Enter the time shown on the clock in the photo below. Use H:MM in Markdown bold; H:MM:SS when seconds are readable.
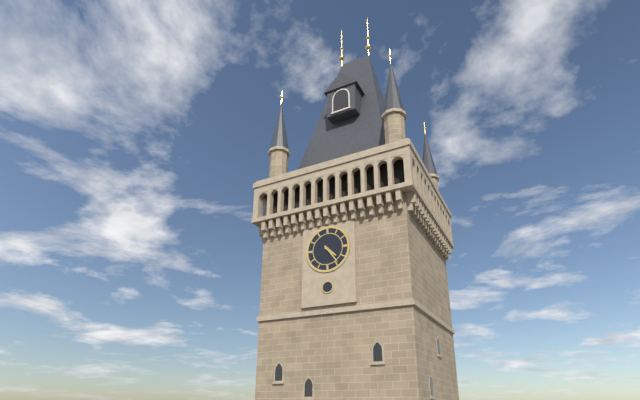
**4:24**
